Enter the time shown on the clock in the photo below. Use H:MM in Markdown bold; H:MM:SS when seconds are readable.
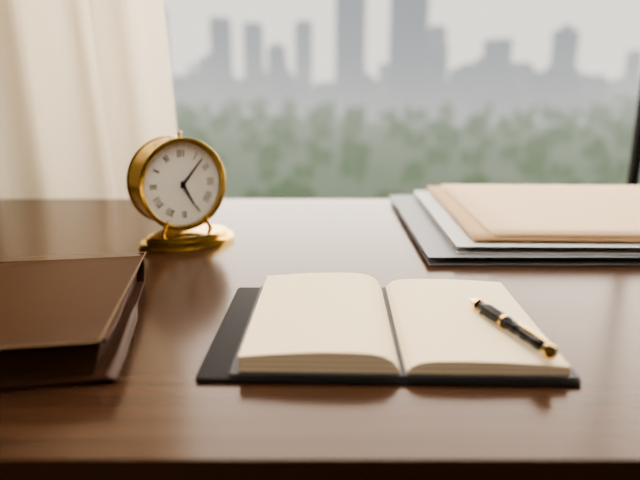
**5:07**
